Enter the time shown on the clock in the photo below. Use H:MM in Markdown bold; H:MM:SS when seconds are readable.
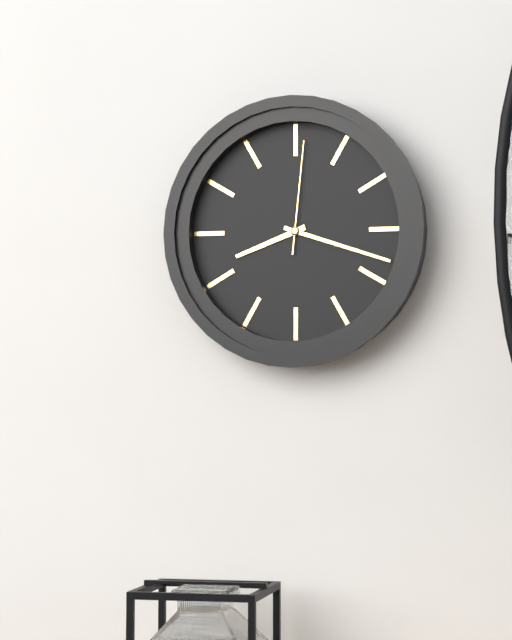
**8:18:01**
